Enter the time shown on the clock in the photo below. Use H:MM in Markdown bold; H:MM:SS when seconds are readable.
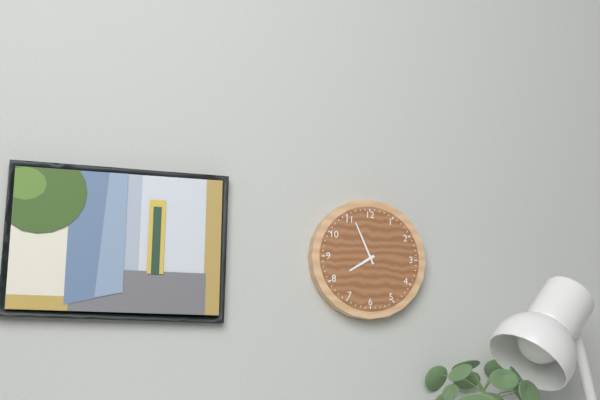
**7:56**
